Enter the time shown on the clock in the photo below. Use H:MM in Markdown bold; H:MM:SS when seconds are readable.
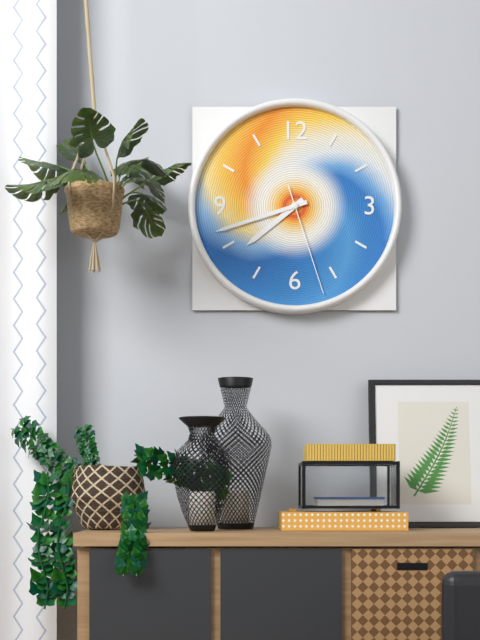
**7:42:27**
